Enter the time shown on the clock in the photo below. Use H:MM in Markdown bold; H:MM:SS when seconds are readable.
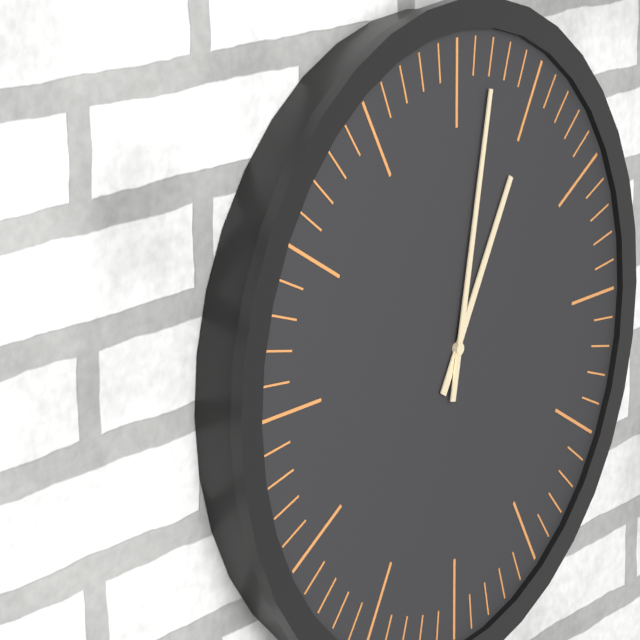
**1:02**
